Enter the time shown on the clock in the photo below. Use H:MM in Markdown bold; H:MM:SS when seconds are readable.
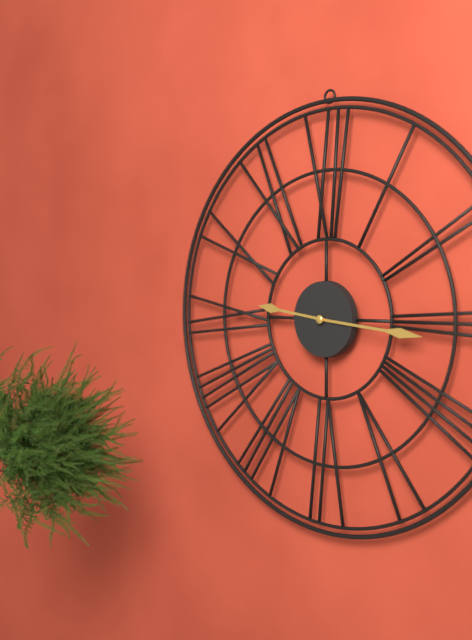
**9:16**
